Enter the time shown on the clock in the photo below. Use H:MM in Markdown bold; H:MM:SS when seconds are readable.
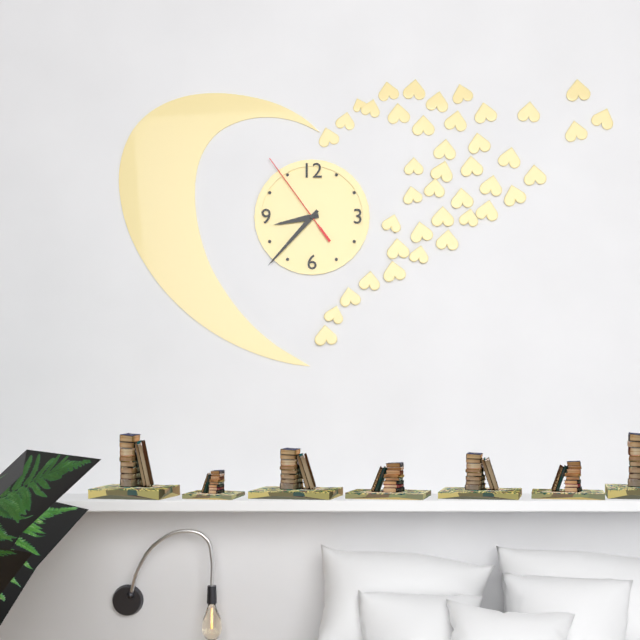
**8:37:54**
